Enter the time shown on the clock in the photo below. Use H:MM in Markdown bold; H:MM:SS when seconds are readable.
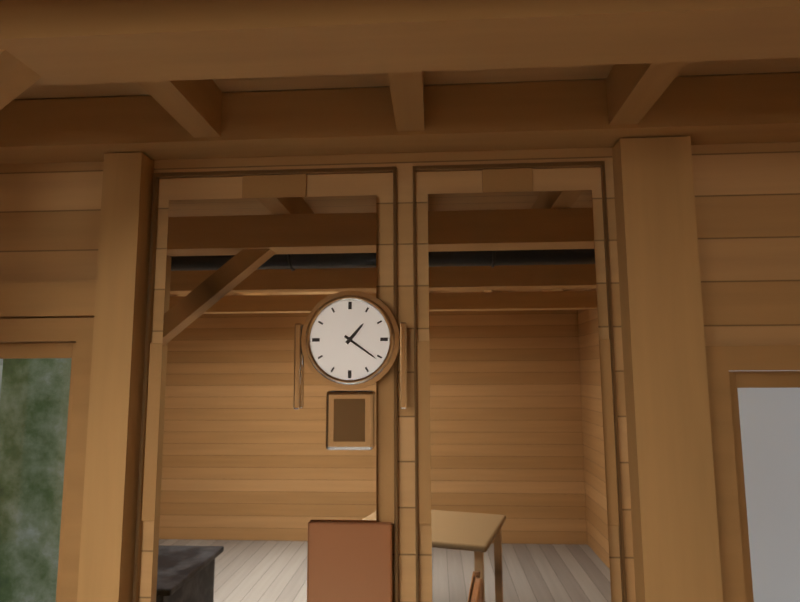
**1:21**
